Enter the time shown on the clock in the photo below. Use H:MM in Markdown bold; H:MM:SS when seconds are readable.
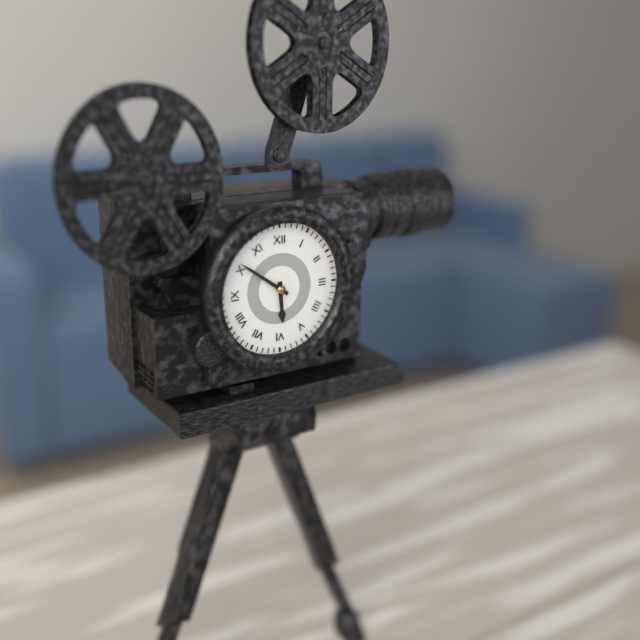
**5:51**
